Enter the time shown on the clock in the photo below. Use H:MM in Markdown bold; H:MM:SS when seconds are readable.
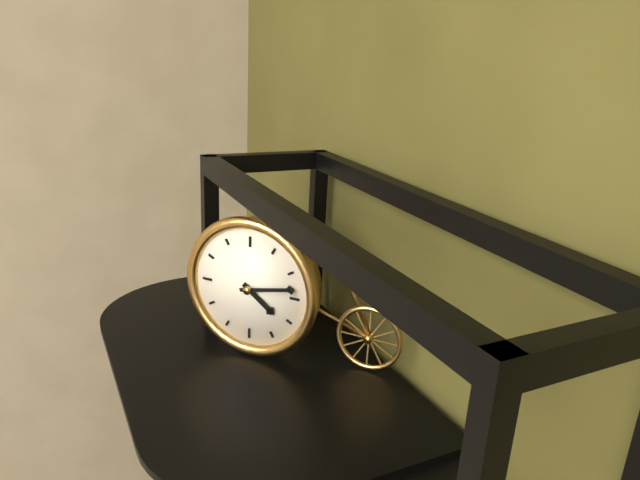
**4:13**
